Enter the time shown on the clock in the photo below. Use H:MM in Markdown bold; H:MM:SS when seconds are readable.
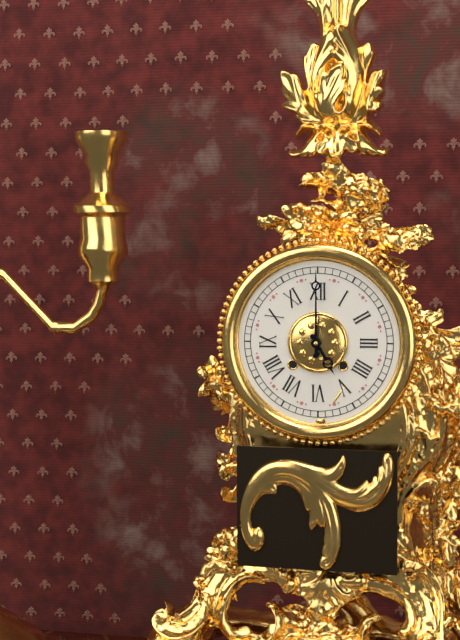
**5:00**
